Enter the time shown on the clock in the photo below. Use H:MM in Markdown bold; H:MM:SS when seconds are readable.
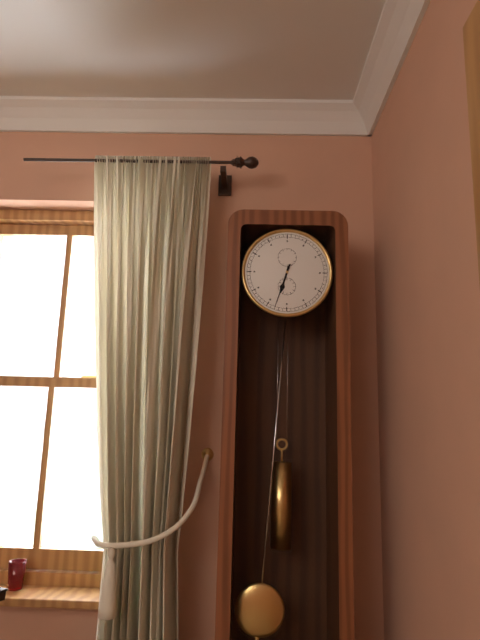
**6:33**
